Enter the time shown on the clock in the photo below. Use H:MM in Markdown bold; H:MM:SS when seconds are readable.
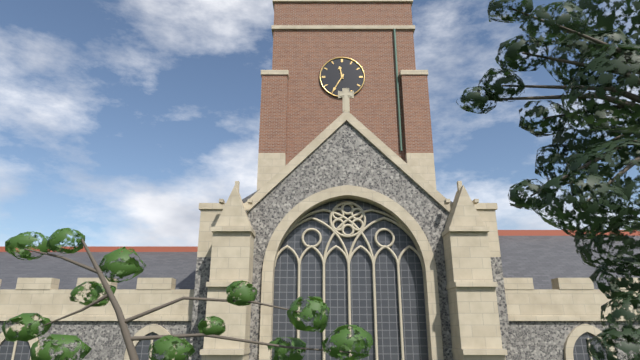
**11:35**
